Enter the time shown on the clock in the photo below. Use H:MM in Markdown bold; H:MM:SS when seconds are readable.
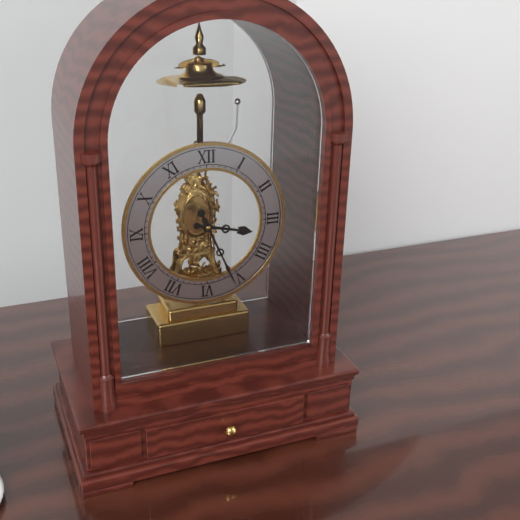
**3:26**
